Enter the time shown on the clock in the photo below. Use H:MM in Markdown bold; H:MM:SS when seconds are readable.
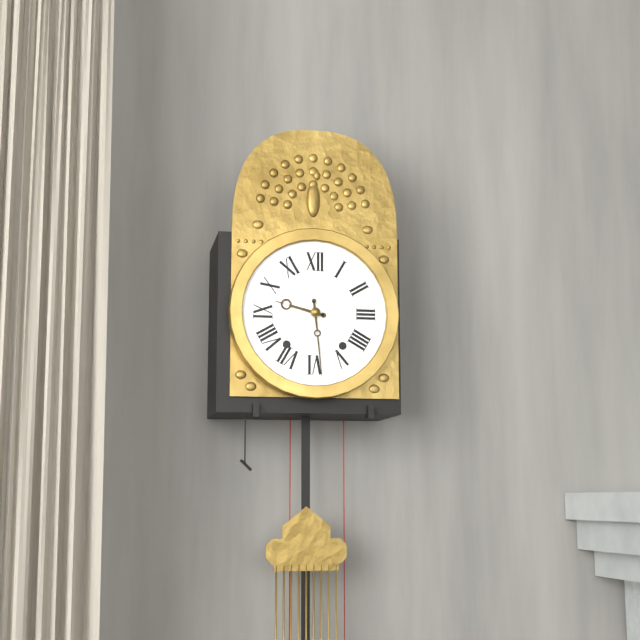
**9:29**
